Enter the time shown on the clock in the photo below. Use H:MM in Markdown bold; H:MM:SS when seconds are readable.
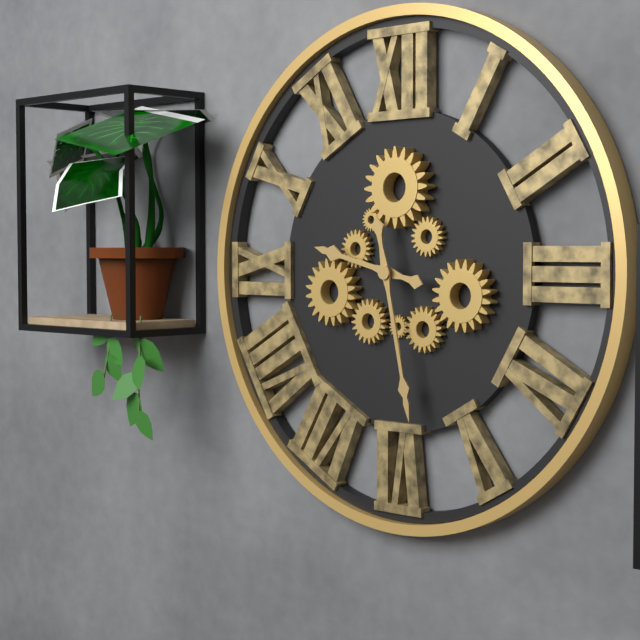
**9:28**
